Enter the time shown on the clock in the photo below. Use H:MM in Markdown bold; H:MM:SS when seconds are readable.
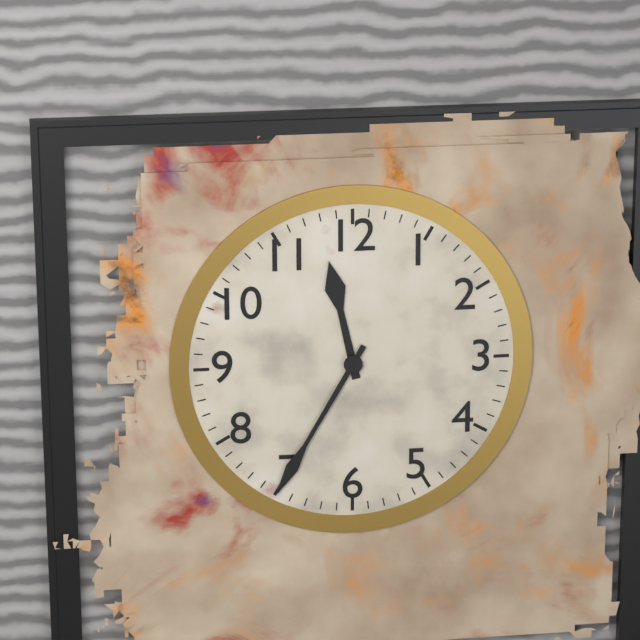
**11:35**
